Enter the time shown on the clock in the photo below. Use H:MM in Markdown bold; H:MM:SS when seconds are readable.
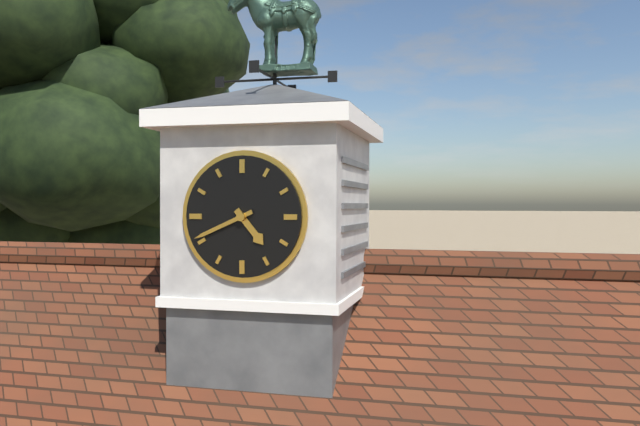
**4:41**
